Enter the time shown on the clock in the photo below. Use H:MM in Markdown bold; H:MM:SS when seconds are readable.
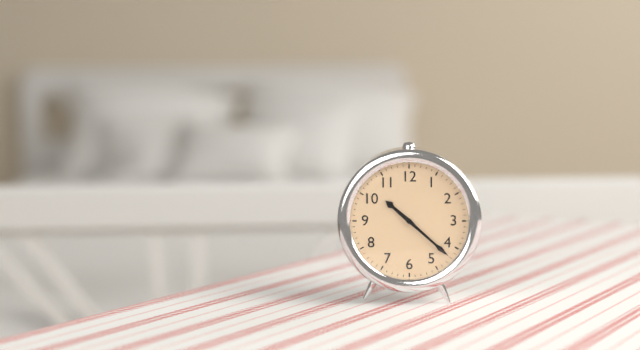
**10:22**
